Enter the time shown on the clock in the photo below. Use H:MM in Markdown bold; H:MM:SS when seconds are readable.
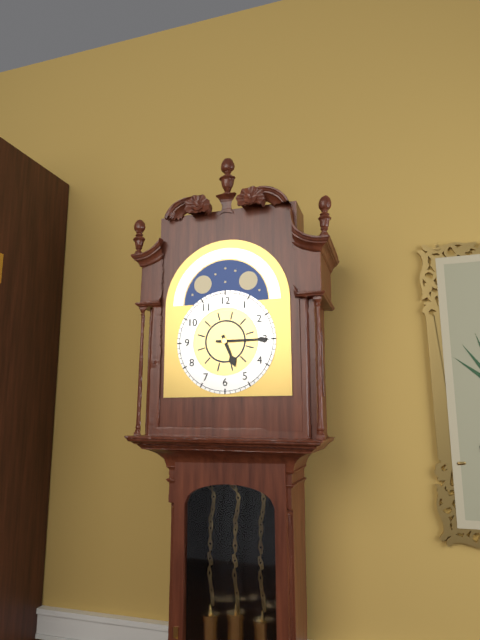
**5:15**
